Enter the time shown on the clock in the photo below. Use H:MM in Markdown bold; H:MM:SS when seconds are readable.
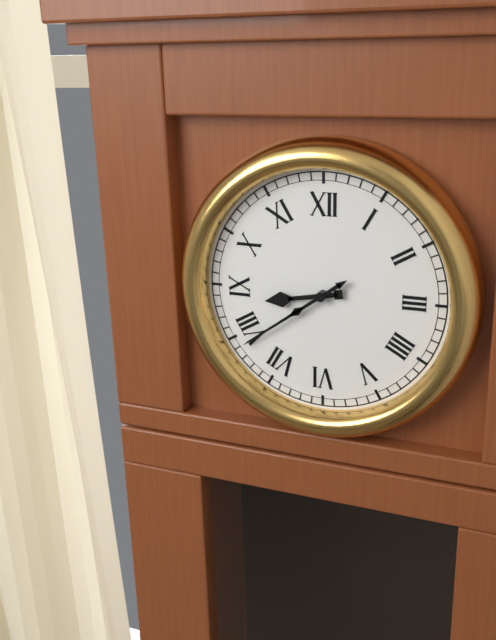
**8:39**
